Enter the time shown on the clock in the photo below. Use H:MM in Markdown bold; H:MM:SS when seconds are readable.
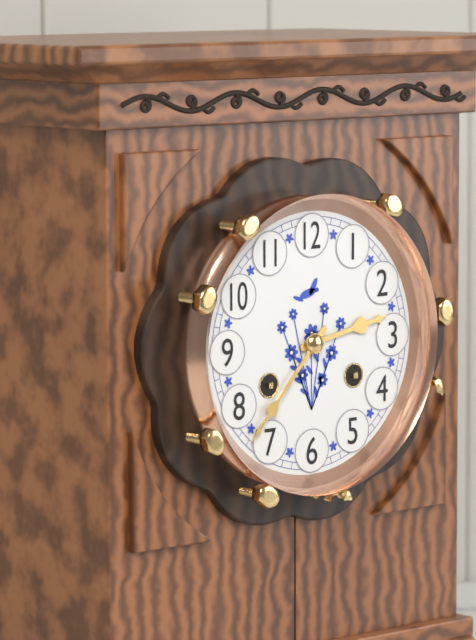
**2:37**
